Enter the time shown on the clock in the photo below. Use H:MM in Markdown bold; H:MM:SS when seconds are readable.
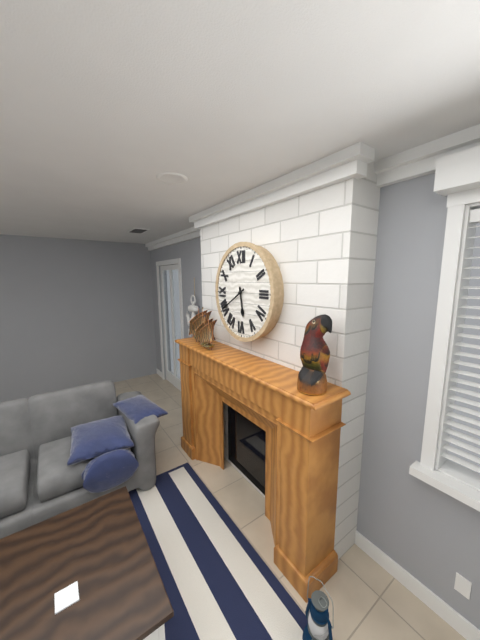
**5:40**
